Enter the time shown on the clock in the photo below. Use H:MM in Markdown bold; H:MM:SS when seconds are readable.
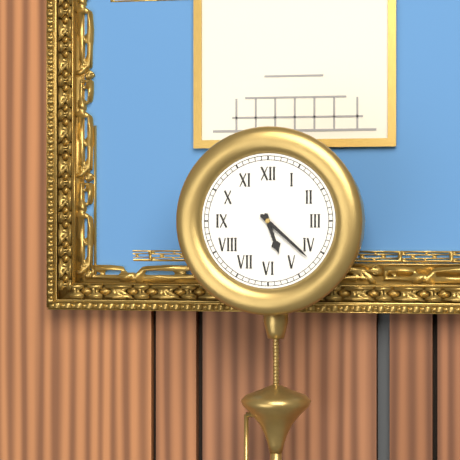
**5:22**
